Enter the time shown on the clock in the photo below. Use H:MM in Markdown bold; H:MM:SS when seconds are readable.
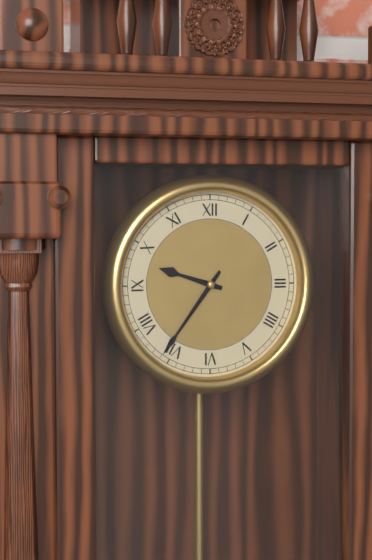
**9:36**
